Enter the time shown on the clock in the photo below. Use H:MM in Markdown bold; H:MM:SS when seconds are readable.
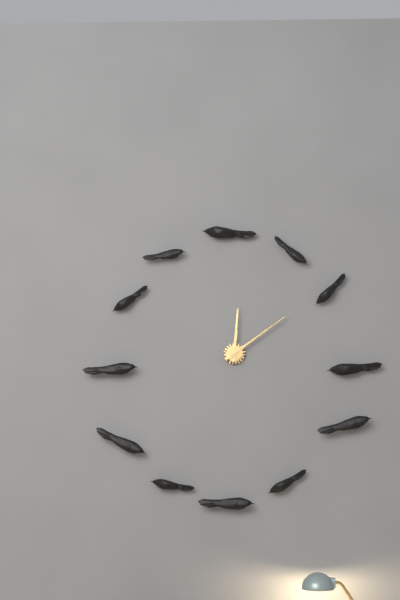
**12:09**
